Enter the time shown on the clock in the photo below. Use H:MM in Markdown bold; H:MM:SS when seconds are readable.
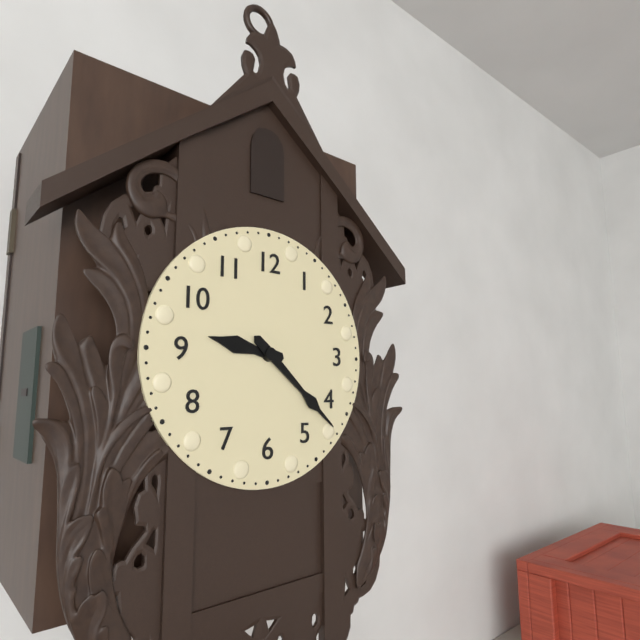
**9:22**
